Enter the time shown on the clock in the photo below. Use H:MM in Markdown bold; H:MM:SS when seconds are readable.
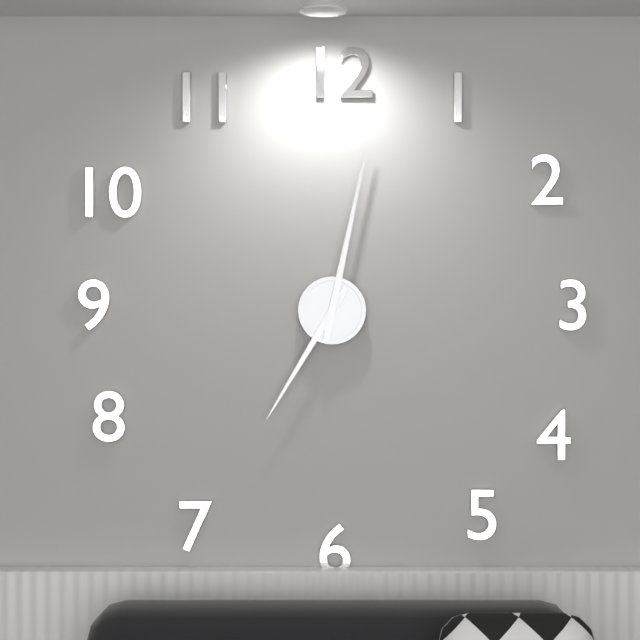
**7:02**
